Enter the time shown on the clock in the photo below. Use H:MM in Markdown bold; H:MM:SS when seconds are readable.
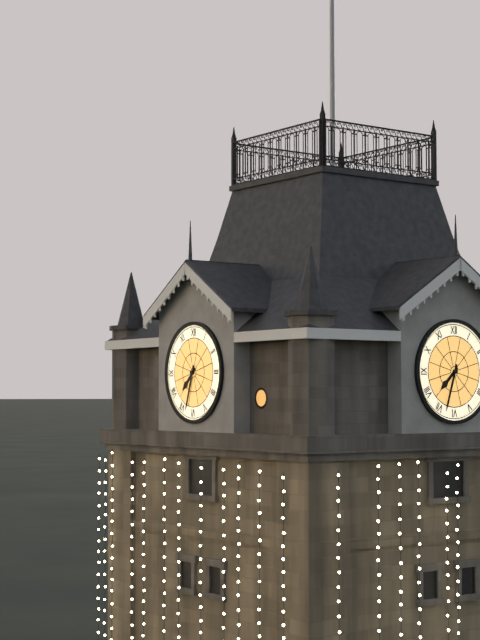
**7:33**
